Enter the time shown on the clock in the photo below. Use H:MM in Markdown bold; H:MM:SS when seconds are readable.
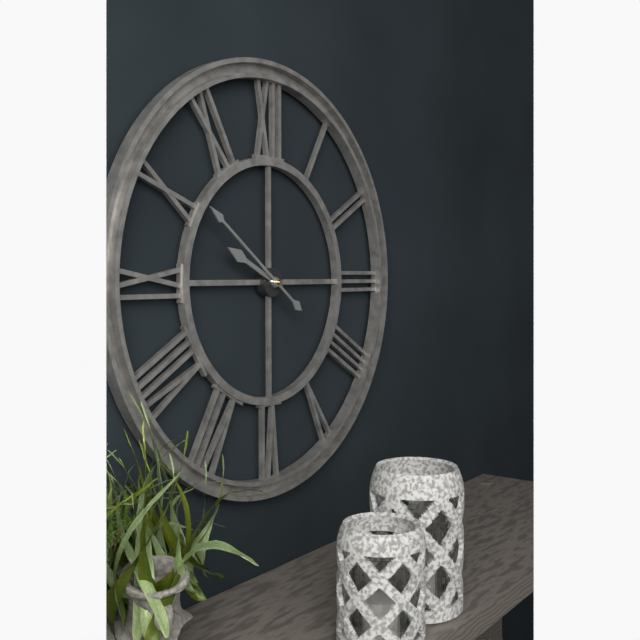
**9:51**
